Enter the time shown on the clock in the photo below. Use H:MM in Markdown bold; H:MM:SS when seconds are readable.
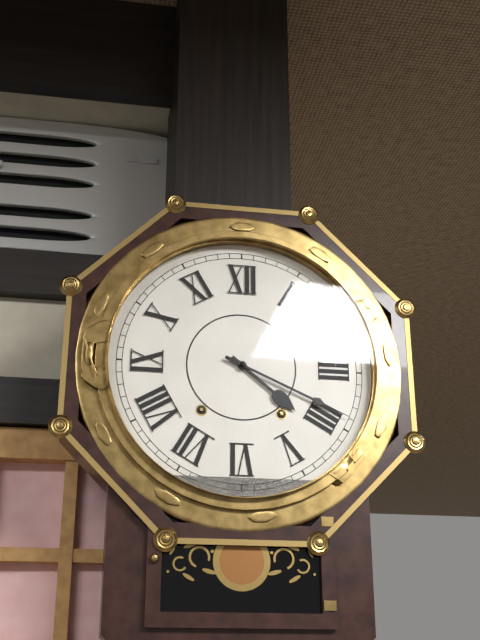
**4:19**
